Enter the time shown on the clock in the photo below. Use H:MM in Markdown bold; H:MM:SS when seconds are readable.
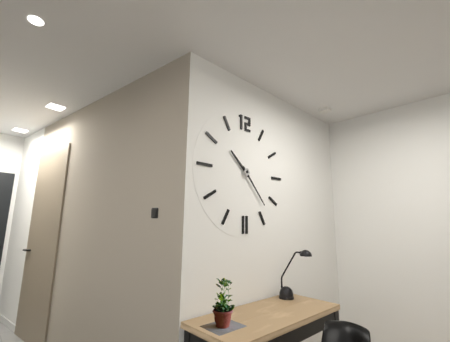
**10:23**
